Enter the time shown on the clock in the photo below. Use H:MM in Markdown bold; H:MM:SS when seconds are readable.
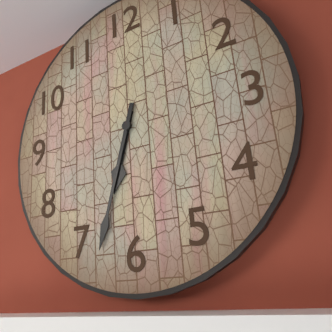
**6:33**
